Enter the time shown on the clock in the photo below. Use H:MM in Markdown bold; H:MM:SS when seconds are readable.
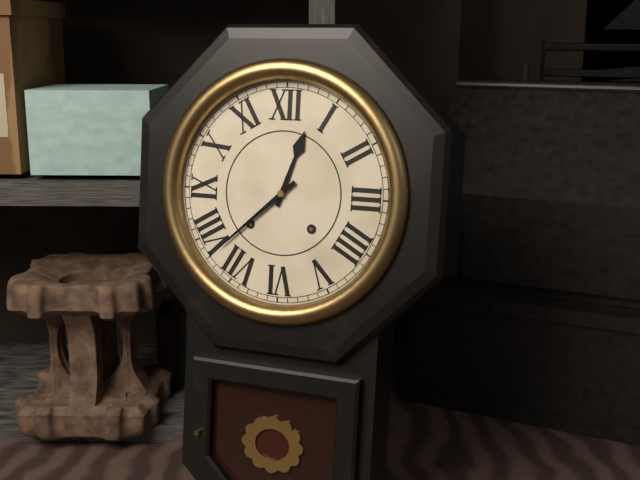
**12:38**
